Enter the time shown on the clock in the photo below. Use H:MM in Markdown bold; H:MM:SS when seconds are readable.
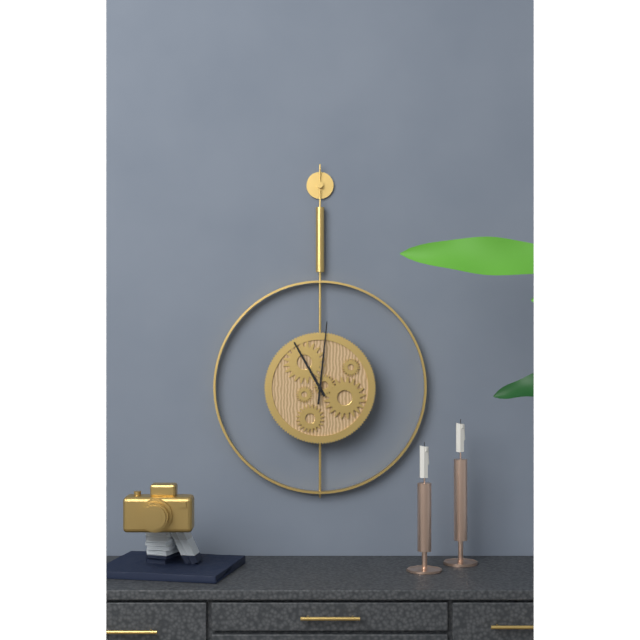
**11:01**
